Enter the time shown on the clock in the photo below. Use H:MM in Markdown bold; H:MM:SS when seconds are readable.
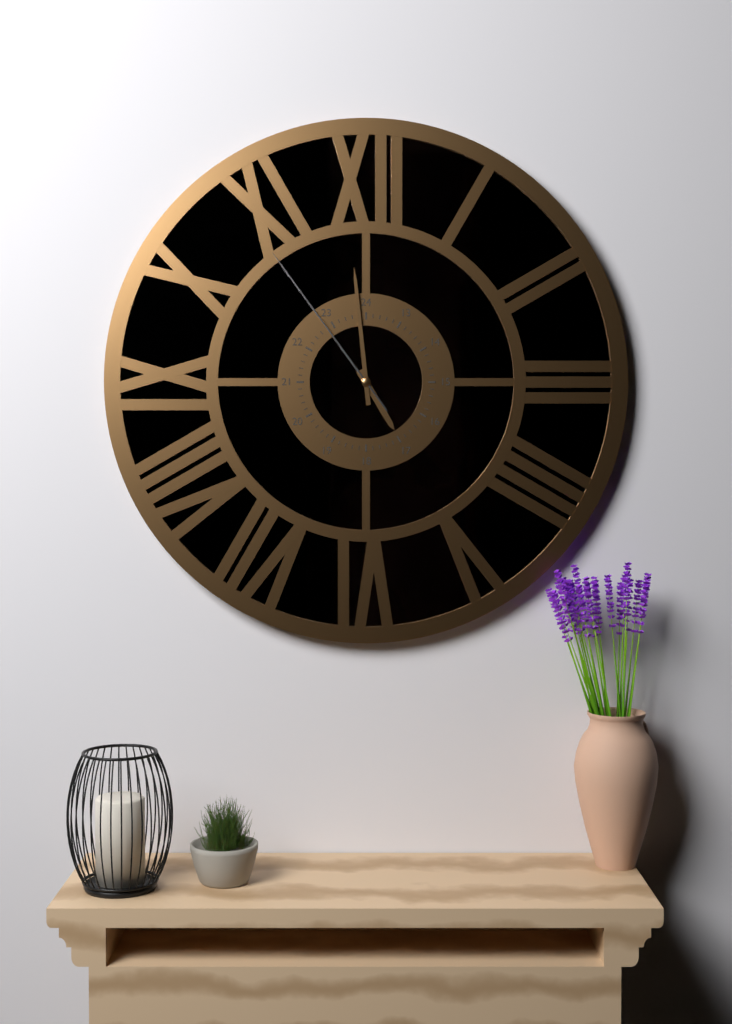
**4:59:54**
